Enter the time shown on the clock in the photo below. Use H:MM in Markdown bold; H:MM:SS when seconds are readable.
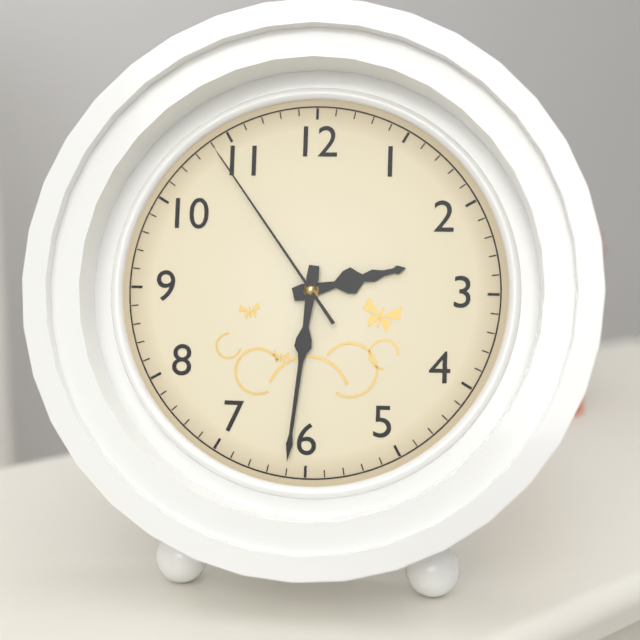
**2:31:54**
